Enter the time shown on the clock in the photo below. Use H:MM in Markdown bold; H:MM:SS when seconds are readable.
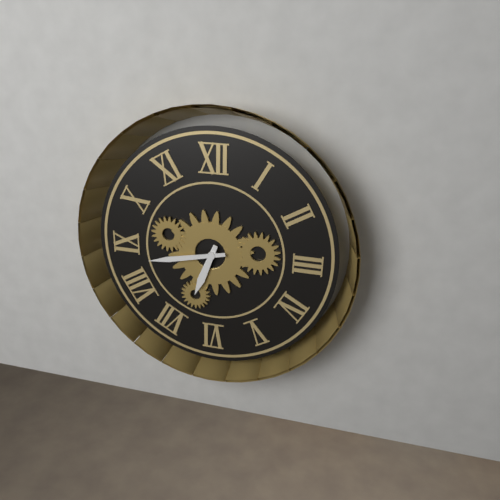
**6:43**
